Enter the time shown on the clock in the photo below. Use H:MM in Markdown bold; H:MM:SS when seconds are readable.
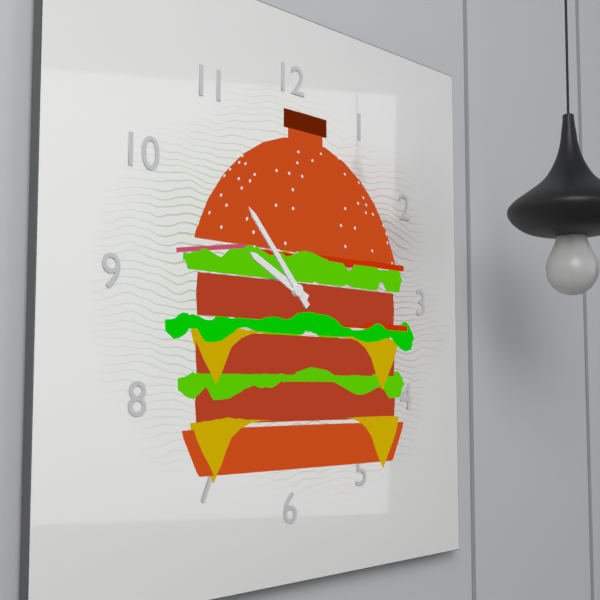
**9:53**
